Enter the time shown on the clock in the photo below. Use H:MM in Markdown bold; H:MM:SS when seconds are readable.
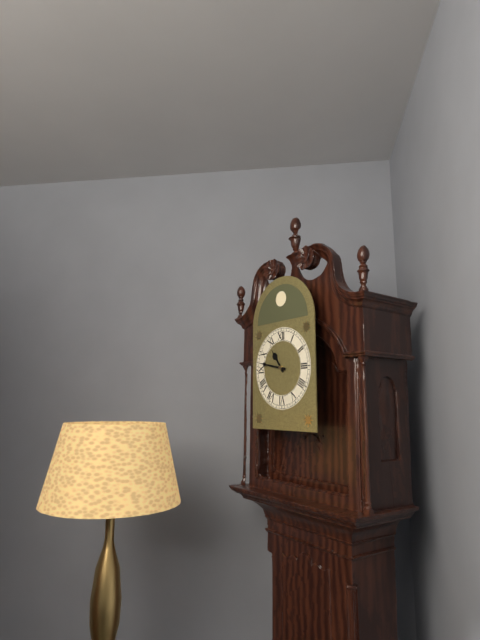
**10:47**
